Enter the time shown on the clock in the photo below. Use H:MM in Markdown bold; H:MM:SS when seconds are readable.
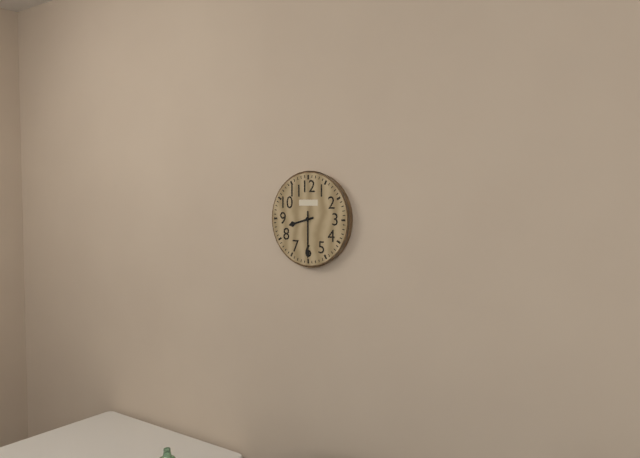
**8:30**
